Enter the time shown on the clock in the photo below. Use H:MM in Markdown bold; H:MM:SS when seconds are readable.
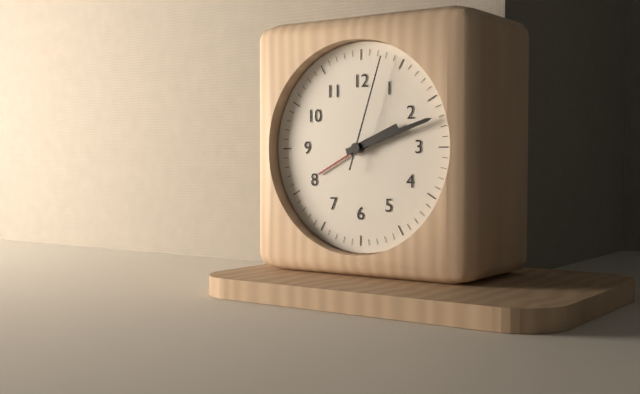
**2:12:03**
